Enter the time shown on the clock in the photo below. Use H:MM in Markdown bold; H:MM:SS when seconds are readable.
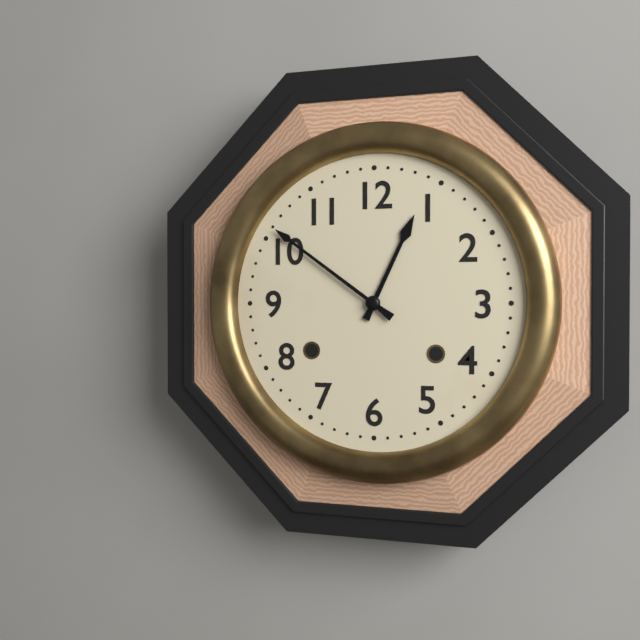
**12:51**
